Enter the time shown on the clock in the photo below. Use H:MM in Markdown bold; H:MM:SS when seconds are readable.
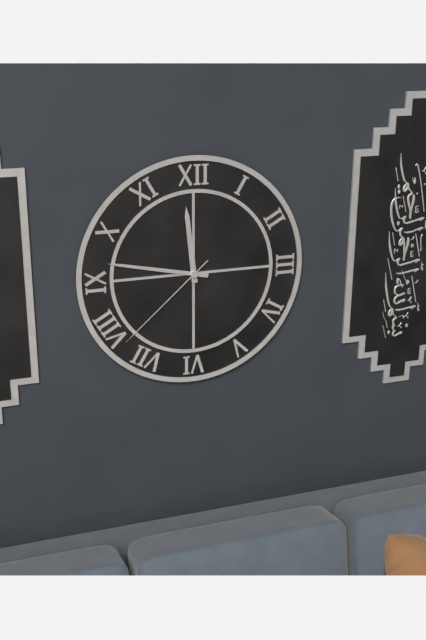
**11:47:38**
